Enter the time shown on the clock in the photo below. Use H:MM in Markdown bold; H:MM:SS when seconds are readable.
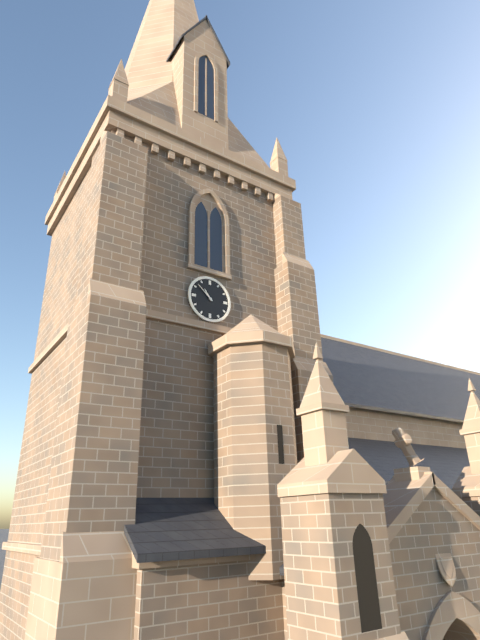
**10:52**
